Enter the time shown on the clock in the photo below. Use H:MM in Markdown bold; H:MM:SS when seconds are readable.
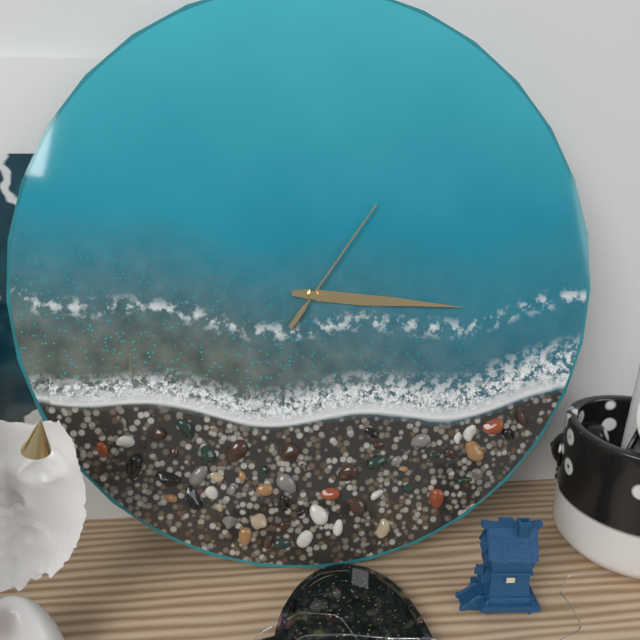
**3:16:06**
